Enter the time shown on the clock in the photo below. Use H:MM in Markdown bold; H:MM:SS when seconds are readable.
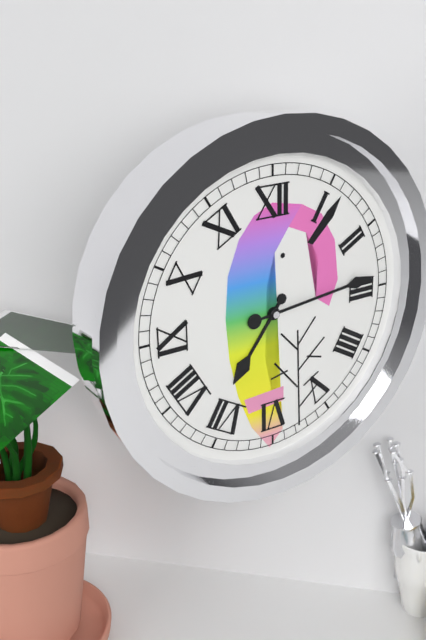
**7:14**
